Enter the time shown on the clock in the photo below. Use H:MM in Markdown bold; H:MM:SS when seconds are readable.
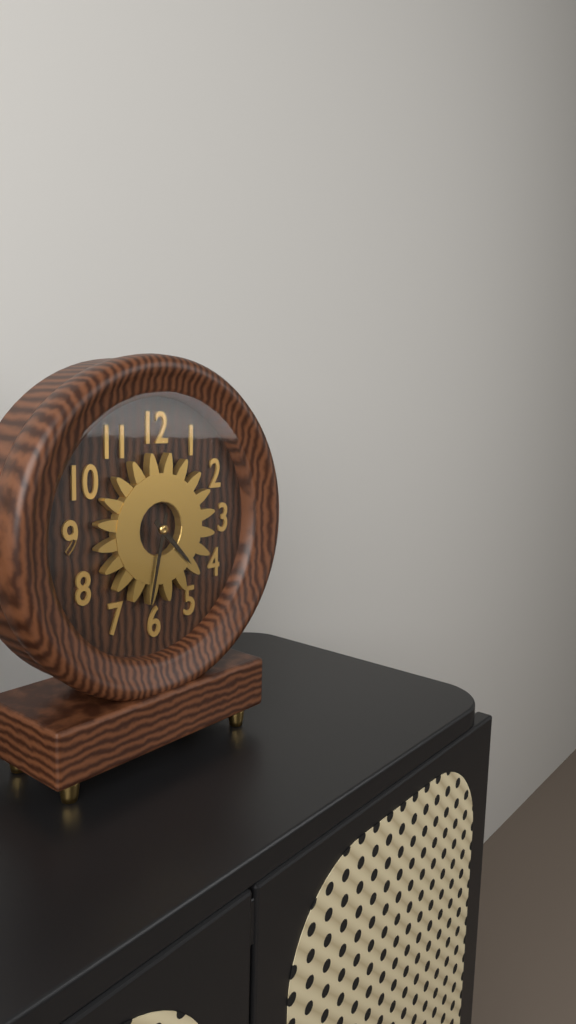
**4:32**
